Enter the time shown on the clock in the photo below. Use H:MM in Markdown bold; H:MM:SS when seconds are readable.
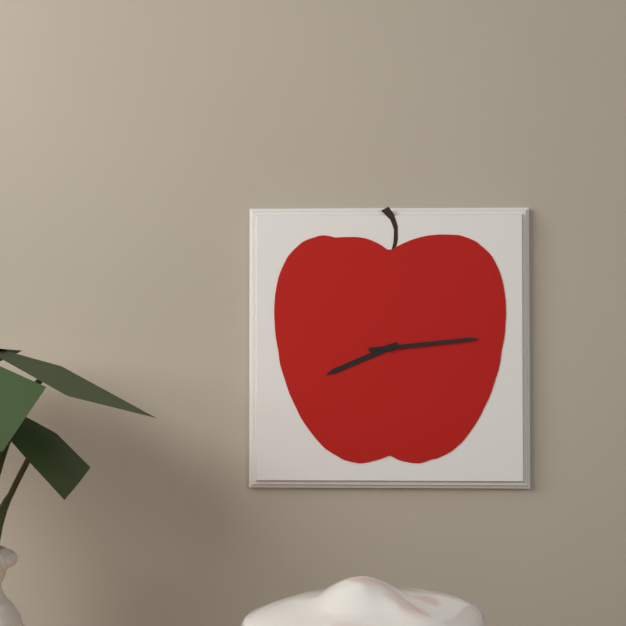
**8:14**
